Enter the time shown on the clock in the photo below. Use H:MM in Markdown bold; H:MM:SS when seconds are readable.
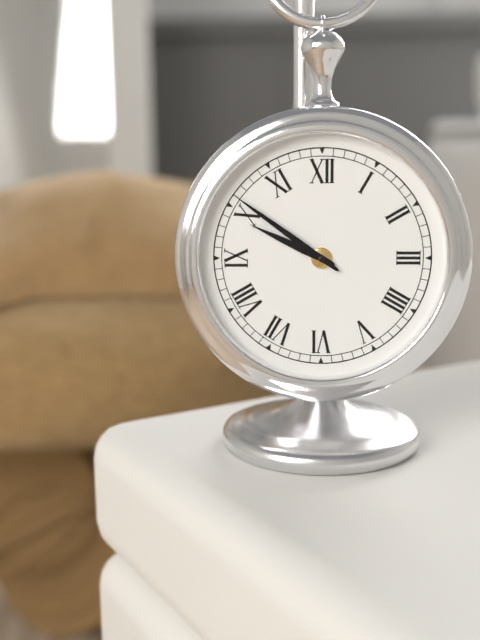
**9:51**
